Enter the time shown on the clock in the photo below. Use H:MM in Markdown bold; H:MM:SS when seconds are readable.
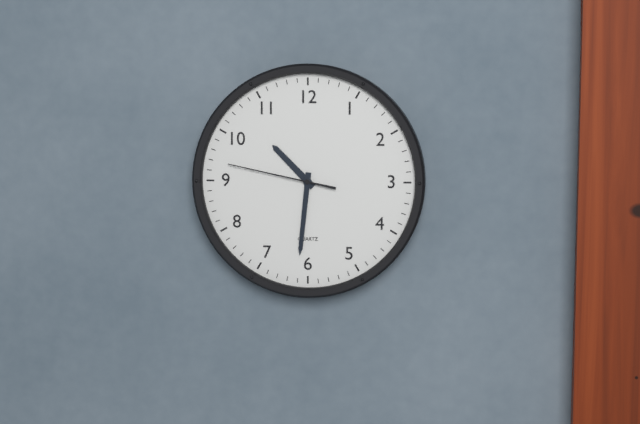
**10:31:47**
